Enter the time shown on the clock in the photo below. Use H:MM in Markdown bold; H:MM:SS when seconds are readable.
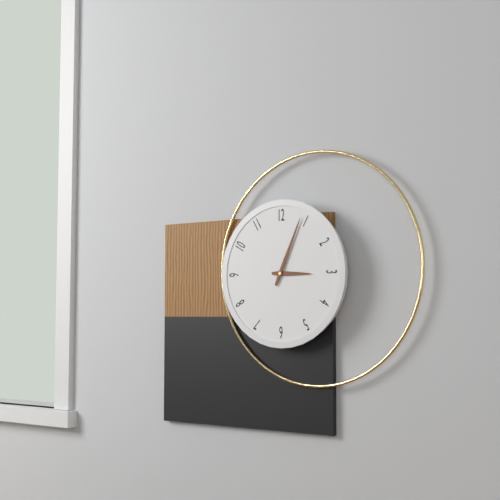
**3:04**
